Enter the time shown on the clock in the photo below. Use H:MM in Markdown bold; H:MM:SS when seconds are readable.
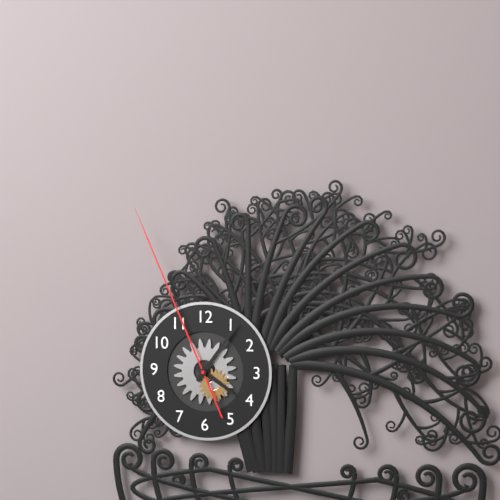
**4:06:56**
